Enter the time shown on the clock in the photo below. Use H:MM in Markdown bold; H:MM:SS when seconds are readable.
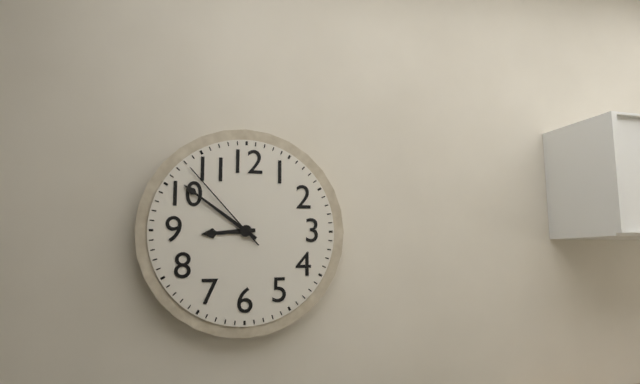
**8:51:53**
